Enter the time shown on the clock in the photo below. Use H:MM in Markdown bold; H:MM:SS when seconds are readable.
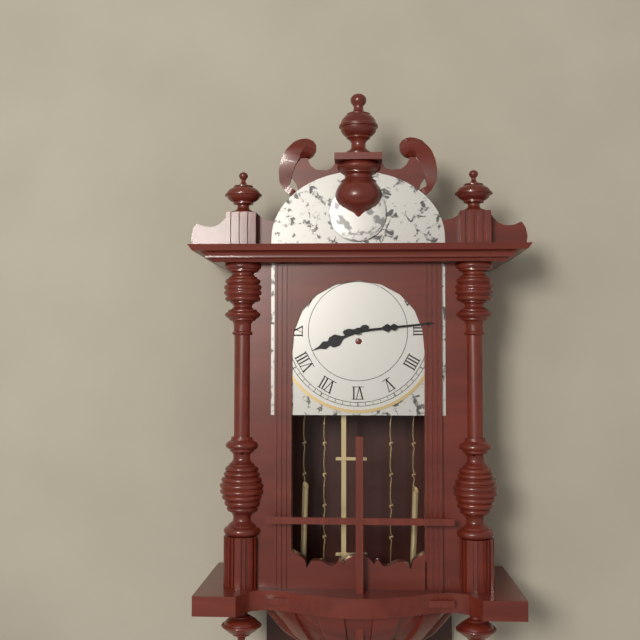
**8:14**
